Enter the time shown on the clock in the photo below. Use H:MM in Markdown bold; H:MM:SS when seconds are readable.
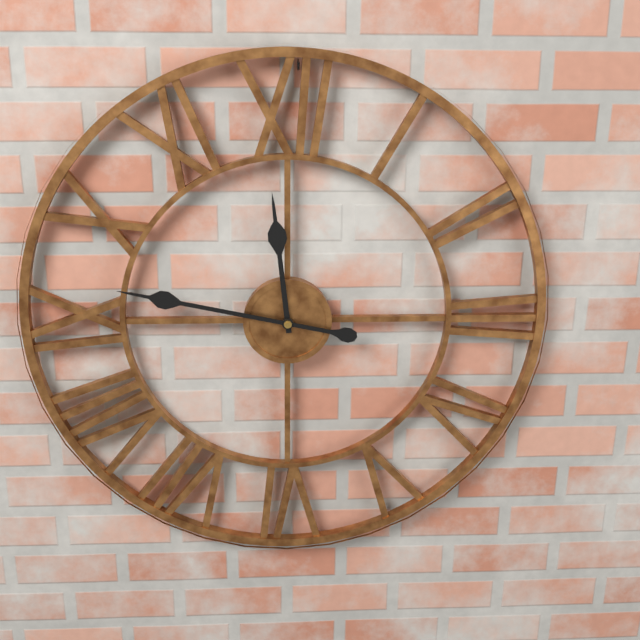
**11:47**
